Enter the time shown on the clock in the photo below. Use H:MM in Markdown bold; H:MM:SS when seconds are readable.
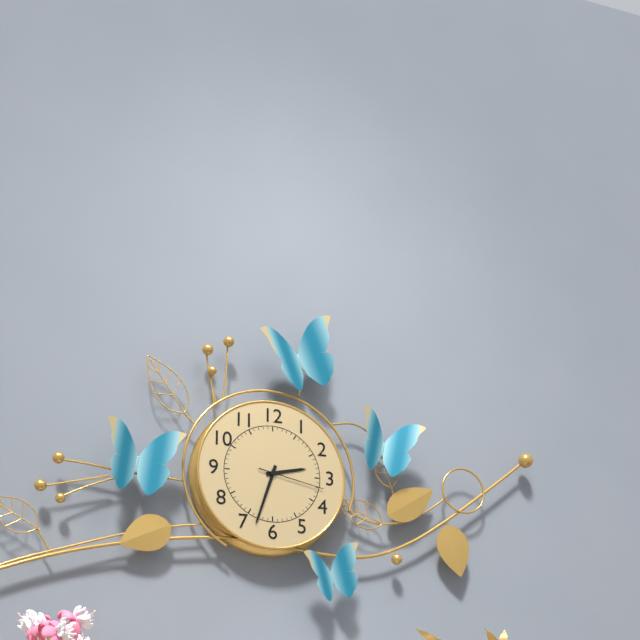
**2:33:17**
